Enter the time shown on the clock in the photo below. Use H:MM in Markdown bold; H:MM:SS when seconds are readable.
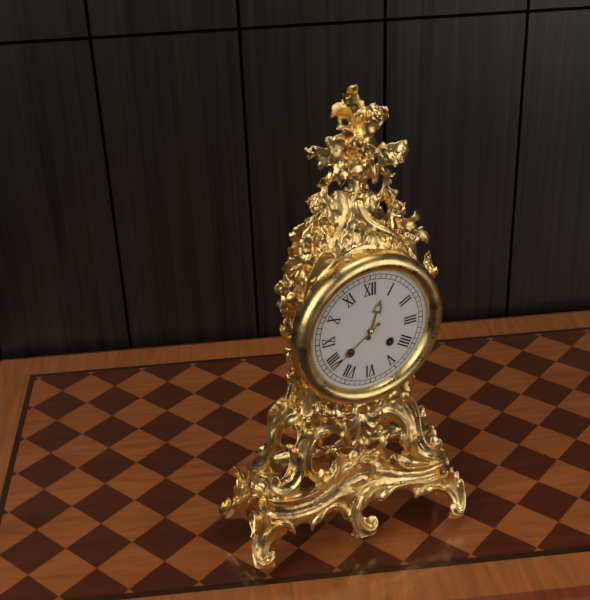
**12:39**
